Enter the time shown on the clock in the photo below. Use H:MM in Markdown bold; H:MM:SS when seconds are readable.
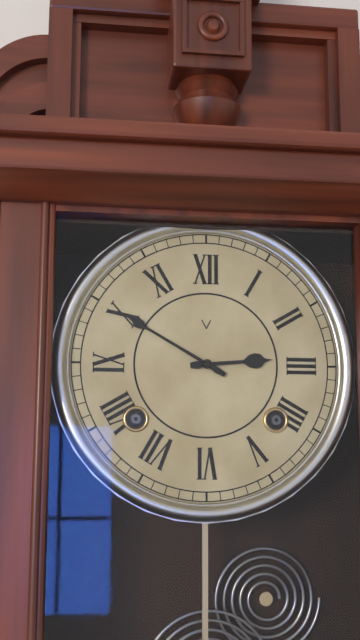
**2:50**
